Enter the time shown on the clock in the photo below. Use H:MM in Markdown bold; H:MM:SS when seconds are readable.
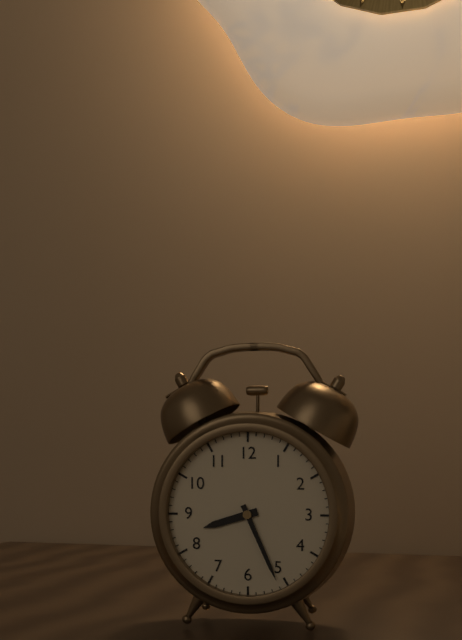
**8:26**
